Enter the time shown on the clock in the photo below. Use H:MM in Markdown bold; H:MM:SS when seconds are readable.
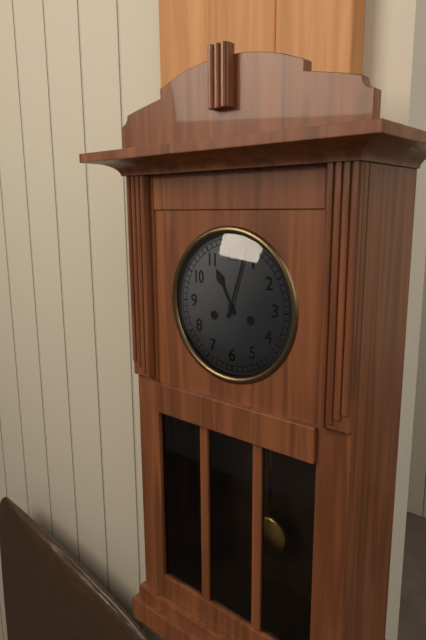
**11:03**
